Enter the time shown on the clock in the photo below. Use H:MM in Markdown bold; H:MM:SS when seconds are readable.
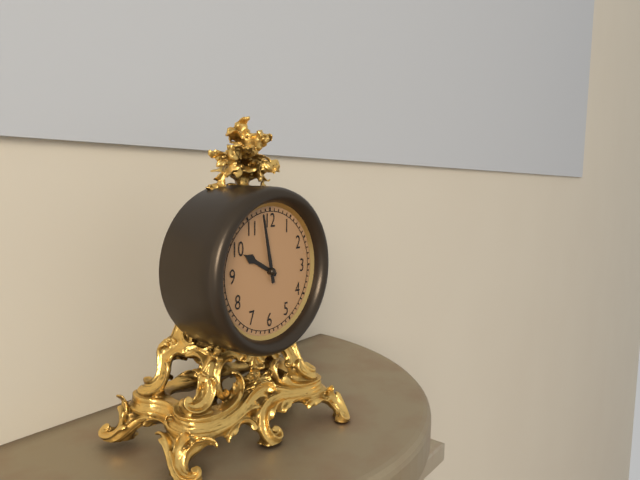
**9:58**
